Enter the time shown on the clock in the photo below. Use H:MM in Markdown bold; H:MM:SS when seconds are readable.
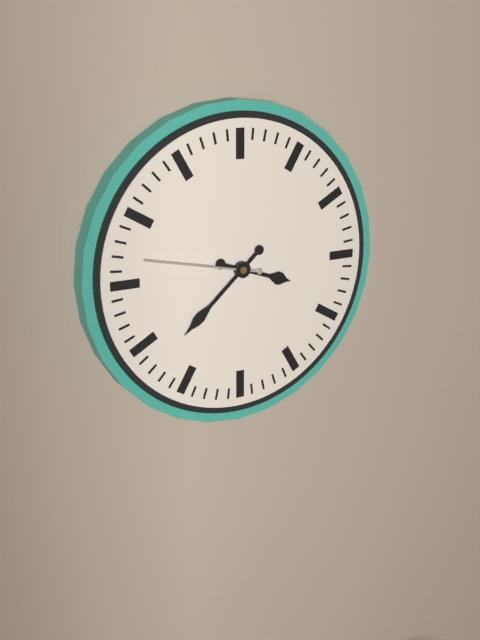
**3:38:47**
